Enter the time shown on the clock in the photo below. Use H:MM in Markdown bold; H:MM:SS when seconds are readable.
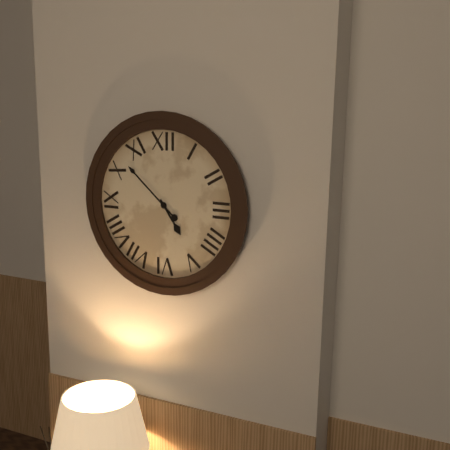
**4:52**
